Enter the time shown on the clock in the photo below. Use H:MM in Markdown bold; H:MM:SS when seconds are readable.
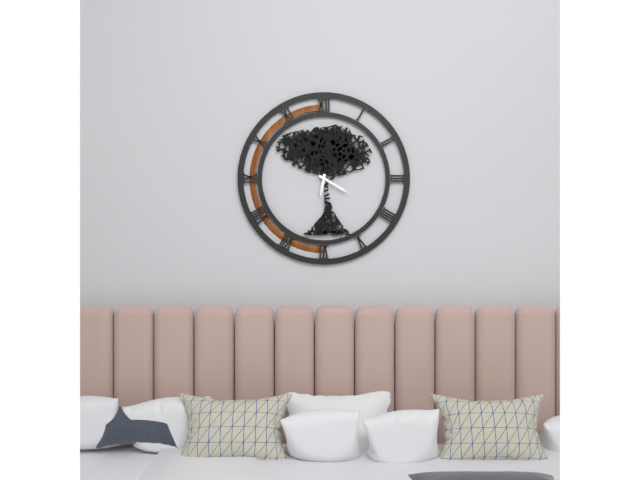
**6:20**
